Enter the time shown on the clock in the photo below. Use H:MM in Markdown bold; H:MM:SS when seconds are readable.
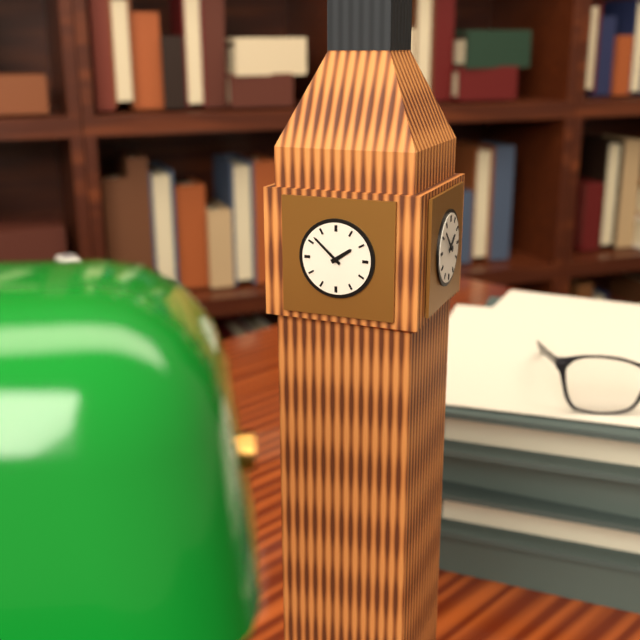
**1:52**
